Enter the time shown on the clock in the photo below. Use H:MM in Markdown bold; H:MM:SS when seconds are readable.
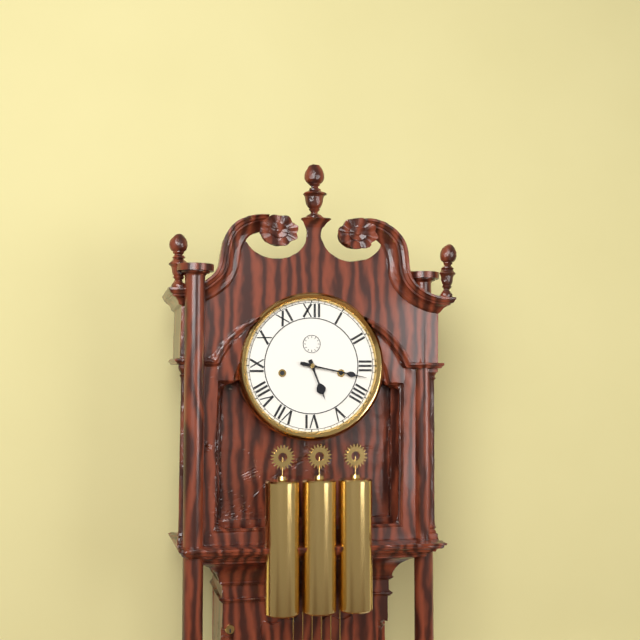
**5:17**
